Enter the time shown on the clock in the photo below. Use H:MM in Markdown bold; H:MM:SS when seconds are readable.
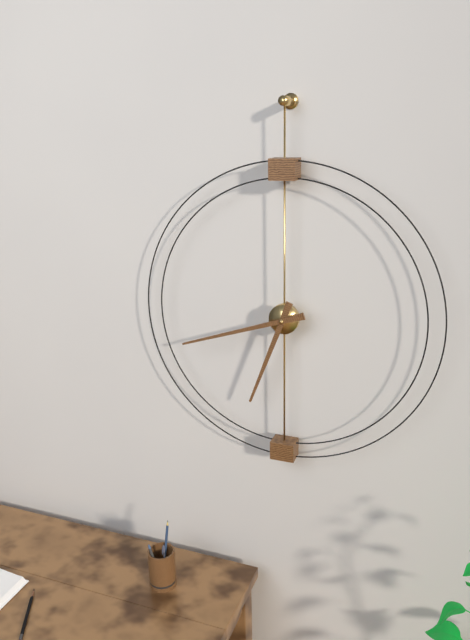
**6:42**
